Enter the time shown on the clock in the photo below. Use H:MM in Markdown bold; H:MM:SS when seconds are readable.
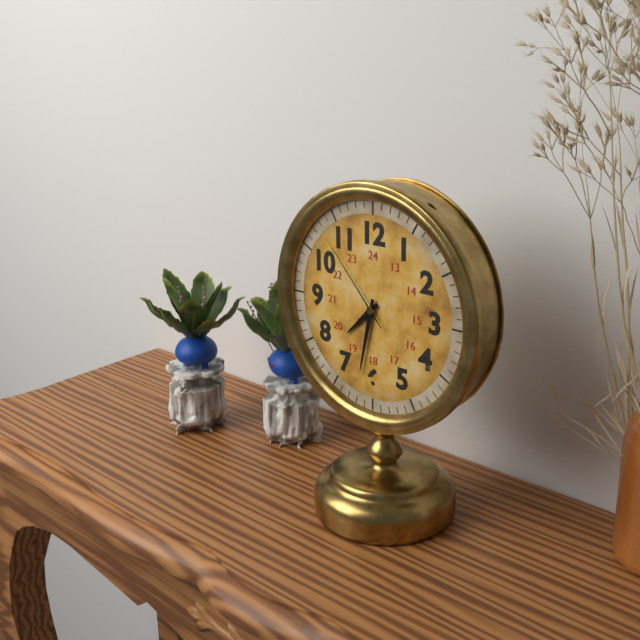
**7:32:53**
